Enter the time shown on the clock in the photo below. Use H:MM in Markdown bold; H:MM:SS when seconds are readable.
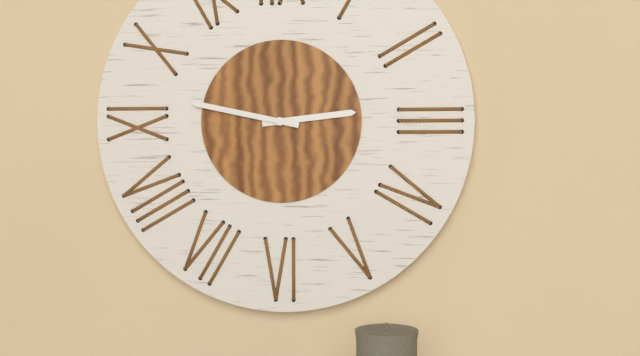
**2:47**
